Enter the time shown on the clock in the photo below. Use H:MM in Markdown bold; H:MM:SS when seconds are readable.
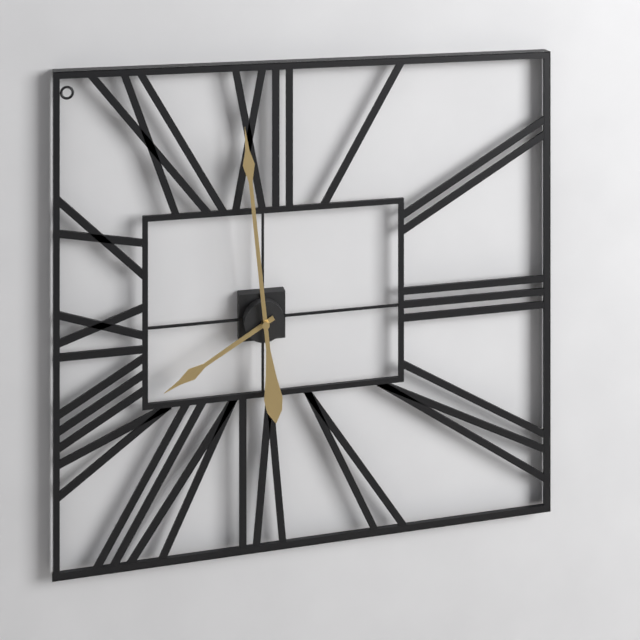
**7:59**
